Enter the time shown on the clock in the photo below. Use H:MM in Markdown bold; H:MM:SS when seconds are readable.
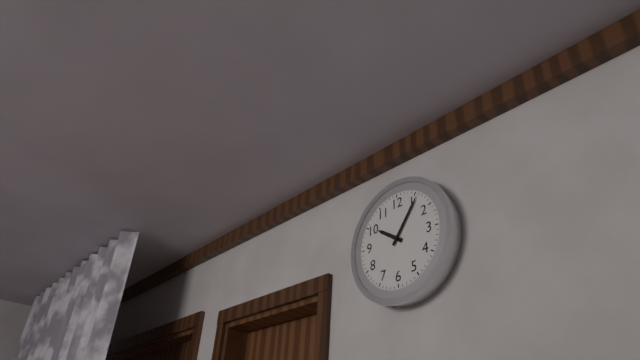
**10:06**
